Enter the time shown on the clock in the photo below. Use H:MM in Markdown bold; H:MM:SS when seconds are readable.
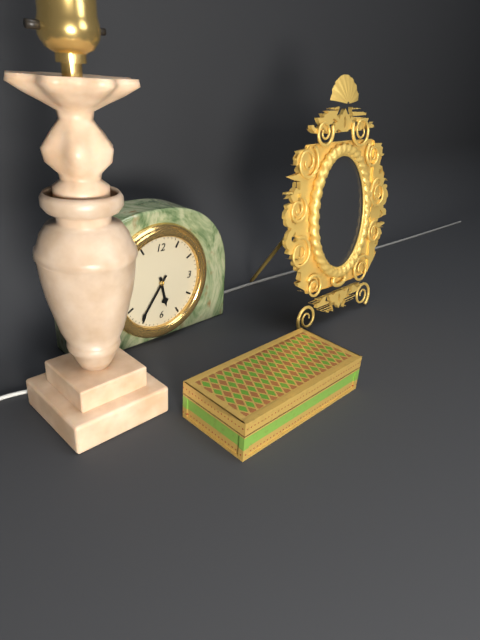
**5:36**
